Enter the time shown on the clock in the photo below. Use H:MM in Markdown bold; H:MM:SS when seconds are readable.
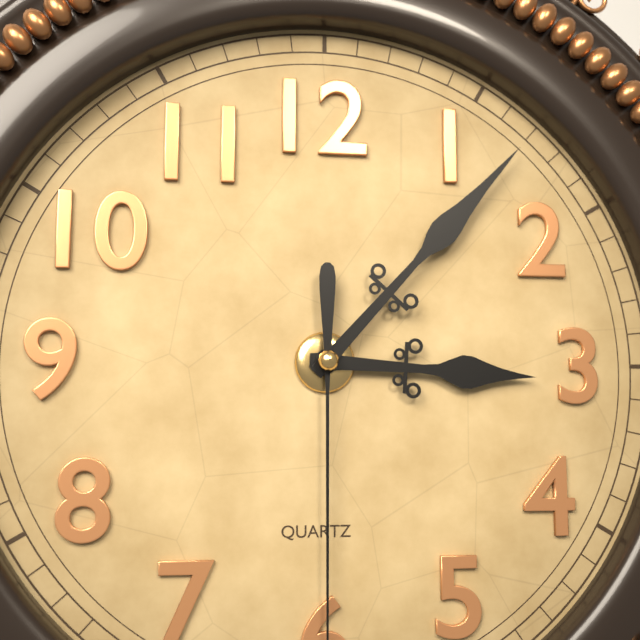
**3:07**
